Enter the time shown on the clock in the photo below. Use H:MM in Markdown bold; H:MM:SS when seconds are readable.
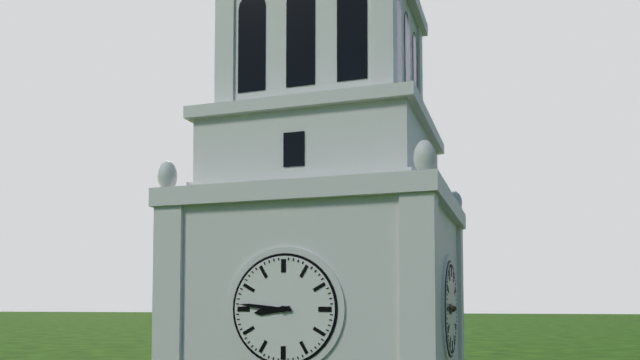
**8:46**
